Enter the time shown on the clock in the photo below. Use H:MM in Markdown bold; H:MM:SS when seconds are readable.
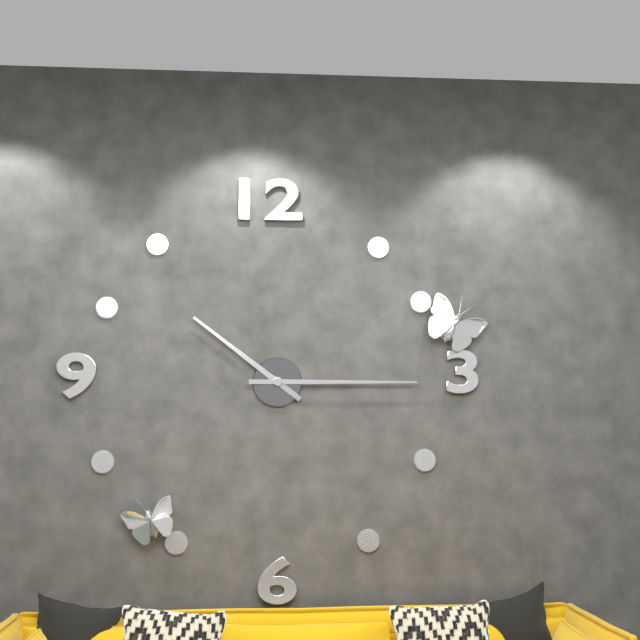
**10:15**
